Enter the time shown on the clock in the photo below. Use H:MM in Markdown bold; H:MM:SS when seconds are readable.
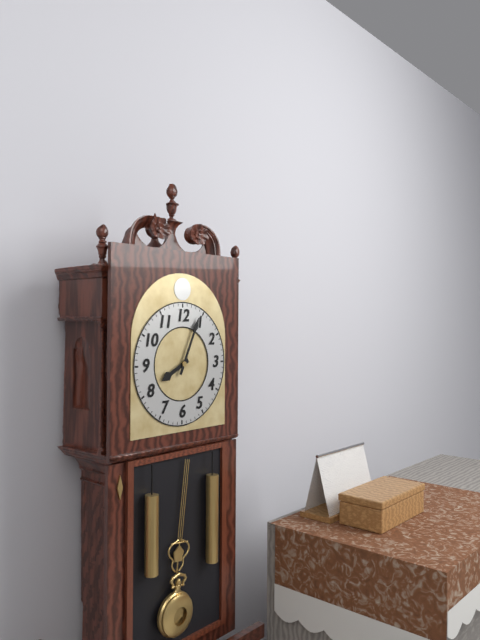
**8:04**
